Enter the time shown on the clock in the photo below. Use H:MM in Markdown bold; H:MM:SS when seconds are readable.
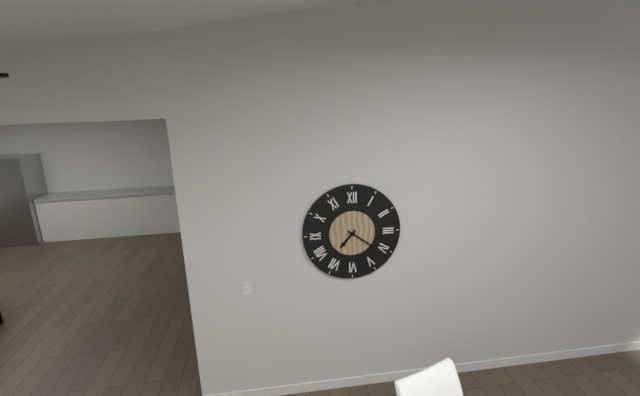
**7:21**
